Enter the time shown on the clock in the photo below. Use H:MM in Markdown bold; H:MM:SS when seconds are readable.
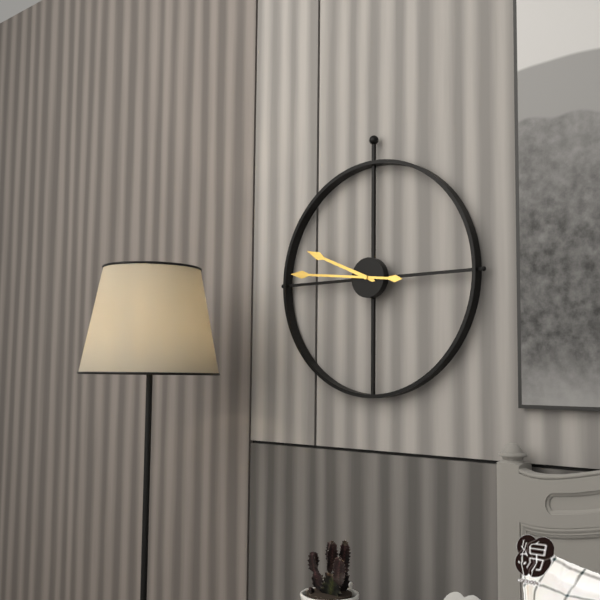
**9:46**
